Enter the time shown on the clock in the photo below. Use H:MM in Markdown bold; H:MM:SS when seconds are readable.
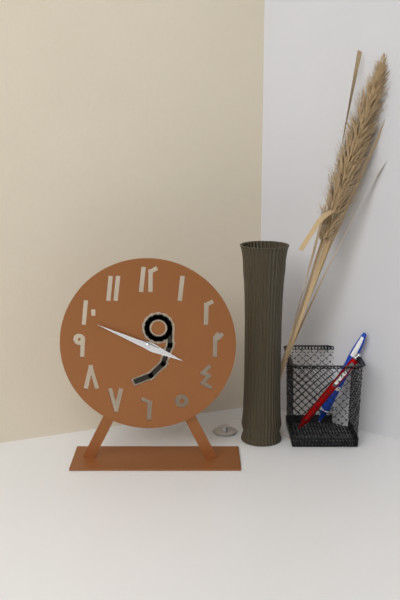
**3:49**
